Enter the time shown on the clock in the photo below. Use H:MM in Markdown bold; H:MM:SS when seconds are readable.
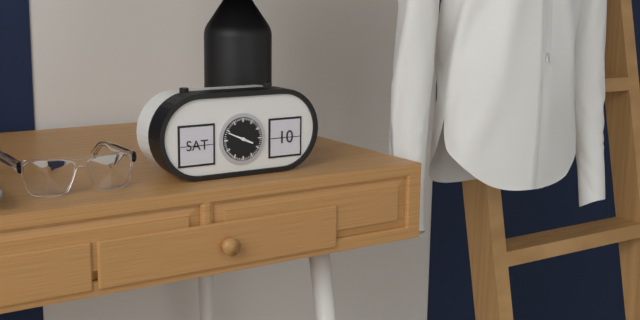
**3:49**
